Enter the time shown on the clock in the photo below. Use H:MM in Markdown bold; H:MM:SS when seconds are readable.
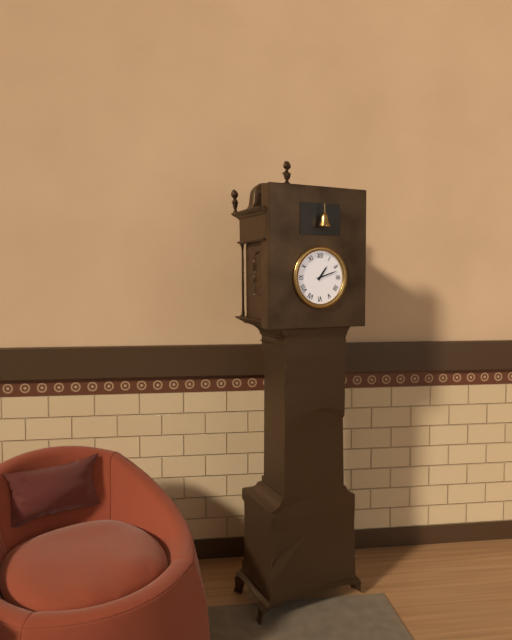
**1:12**
